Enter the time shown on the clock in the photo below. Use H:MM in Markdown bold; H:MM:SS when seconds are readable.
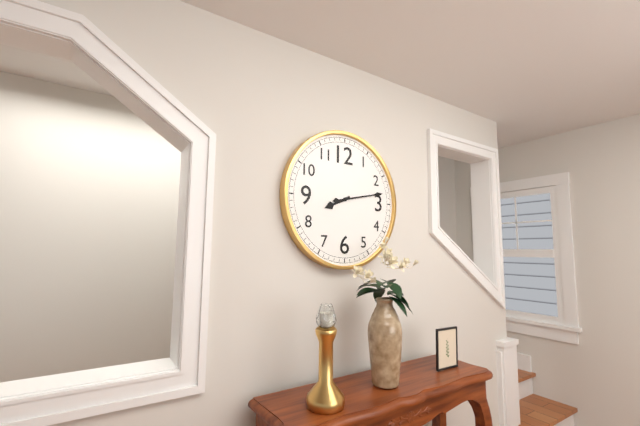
**8:13**
